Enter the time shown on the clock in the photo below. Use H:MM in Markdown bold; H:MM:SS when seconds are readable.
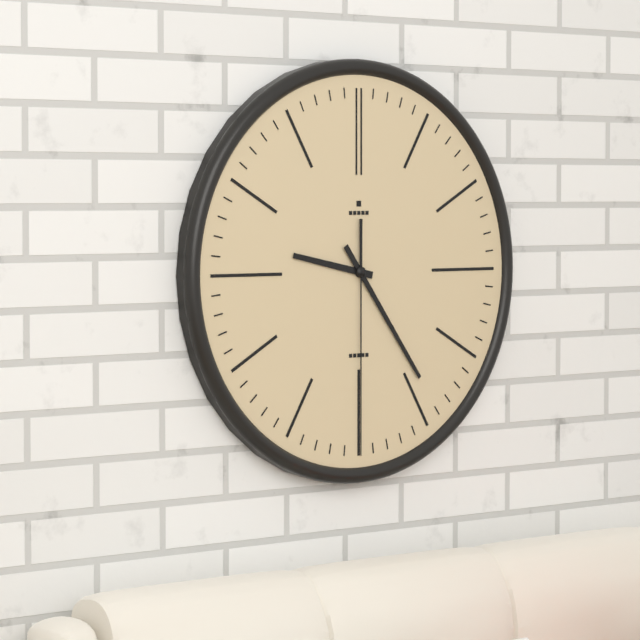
**9:24:30**
